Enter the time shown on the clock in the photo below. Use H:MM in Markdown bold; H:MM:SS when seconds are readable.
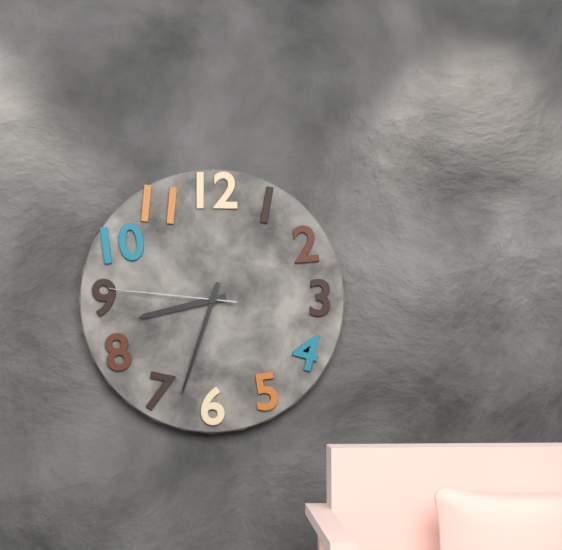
**8:33:46**
